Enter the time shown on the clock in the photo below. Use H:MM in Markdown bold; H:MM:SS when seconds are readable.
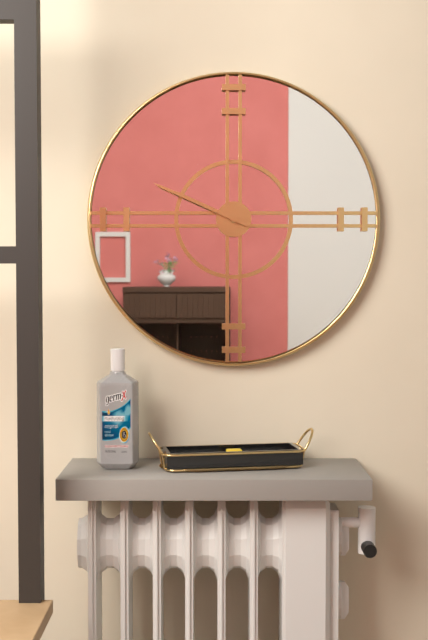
**9:49**
